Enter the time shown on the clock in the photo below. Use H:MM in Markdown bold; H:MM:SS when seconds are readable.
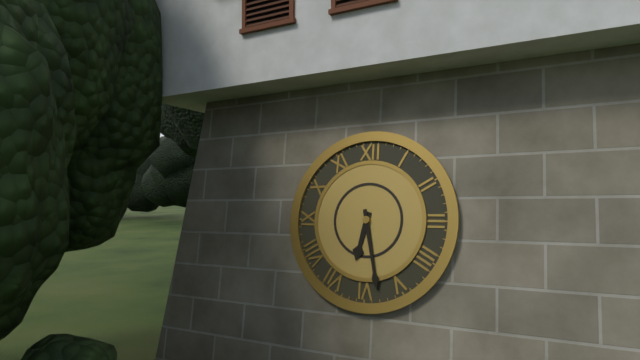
**6:28**
